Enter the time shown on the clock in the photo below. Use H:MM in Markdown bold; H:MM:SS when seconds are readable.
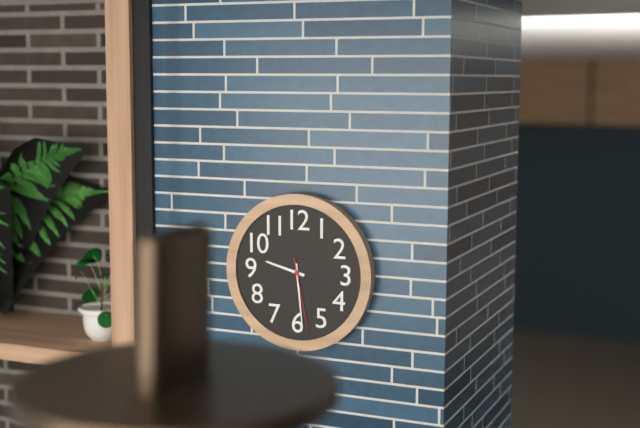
**9:29:28**
